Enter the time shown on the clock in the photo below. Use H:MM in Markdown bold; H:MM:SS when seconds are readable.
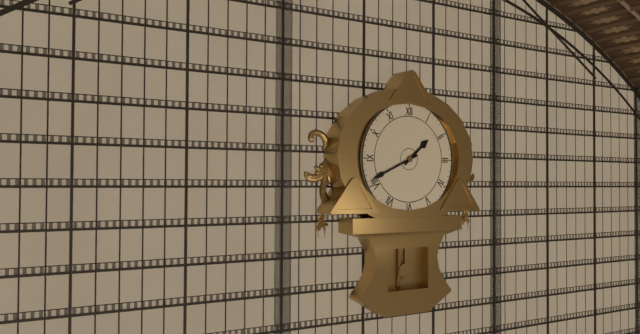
**1:41**
